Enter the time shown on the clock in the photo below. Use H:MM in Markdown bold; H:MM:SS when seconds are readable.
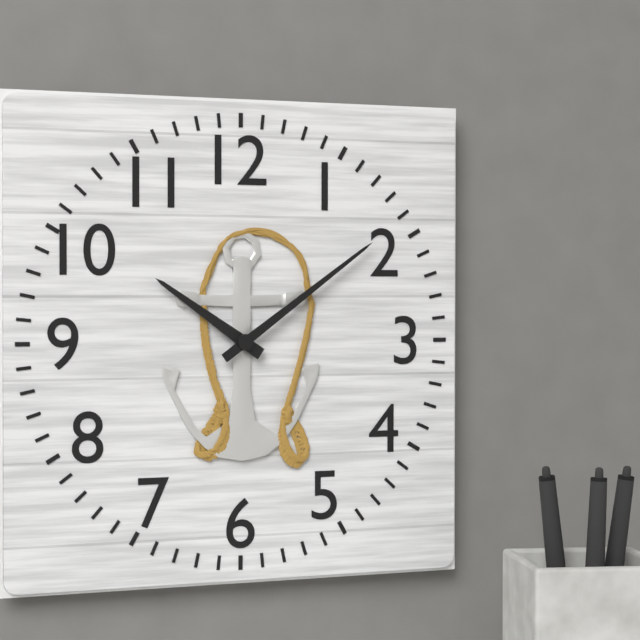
**10:09**
